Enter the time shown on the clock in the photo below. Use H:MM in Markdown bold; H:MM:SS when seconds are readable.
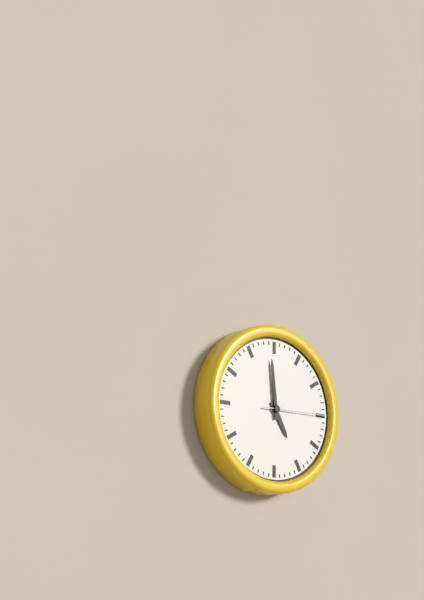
**4:59:15**
